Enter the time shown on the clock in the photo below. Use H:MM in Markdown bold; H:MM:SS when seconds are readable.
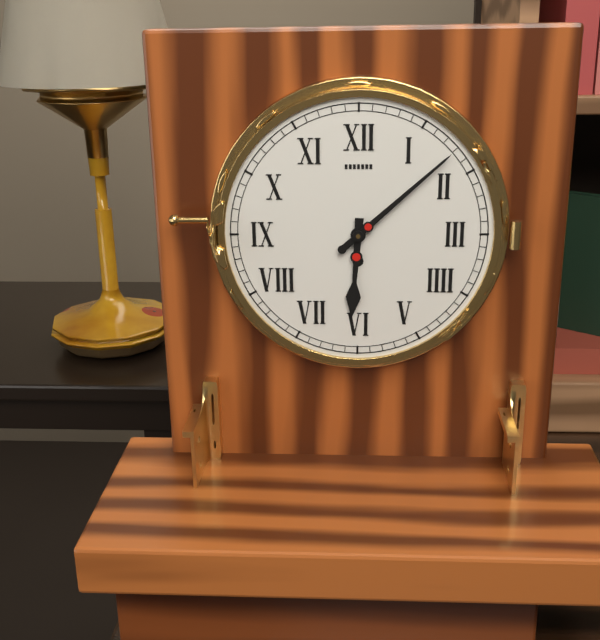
**6:08**
